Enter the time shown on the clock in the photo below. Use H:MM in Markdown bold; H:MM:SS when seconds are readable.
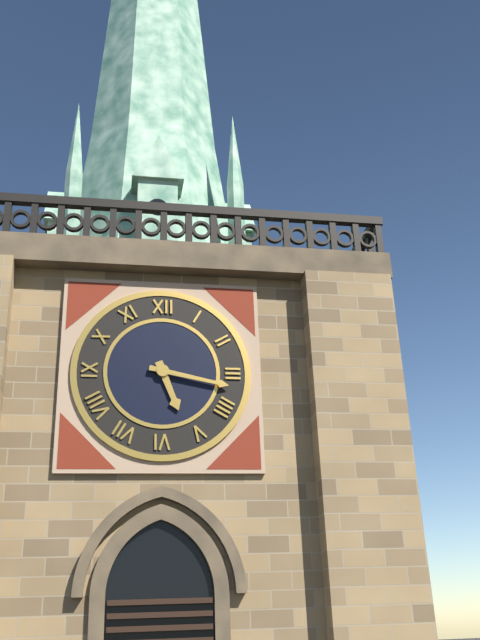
**5:17**
